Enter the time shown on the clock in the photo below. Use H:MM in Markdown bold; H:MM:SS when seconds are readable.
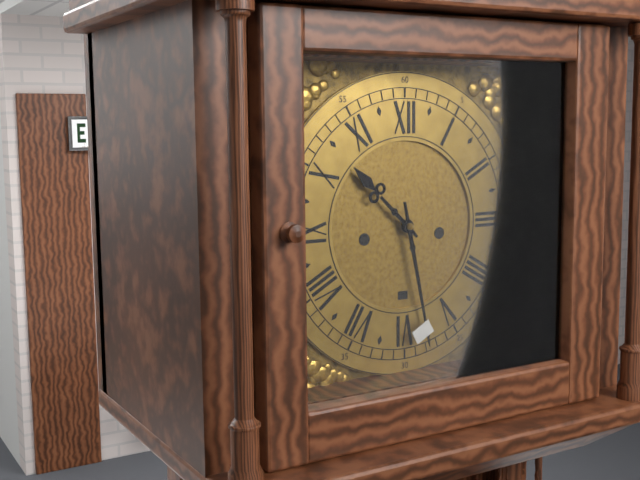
**10:28**
